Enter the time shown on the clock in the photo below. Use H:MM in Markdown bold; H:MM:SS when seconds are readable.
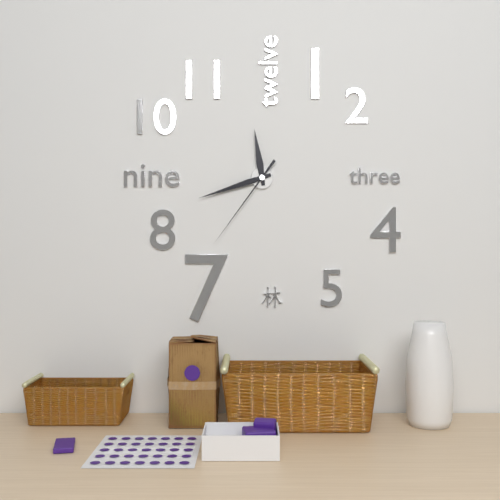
**11:42:36**
